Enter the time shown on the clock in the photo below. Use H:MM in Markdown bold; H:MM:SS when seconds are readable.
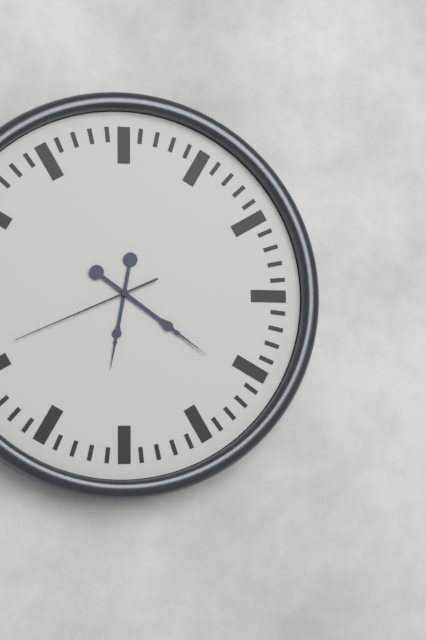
**6:21:41**
